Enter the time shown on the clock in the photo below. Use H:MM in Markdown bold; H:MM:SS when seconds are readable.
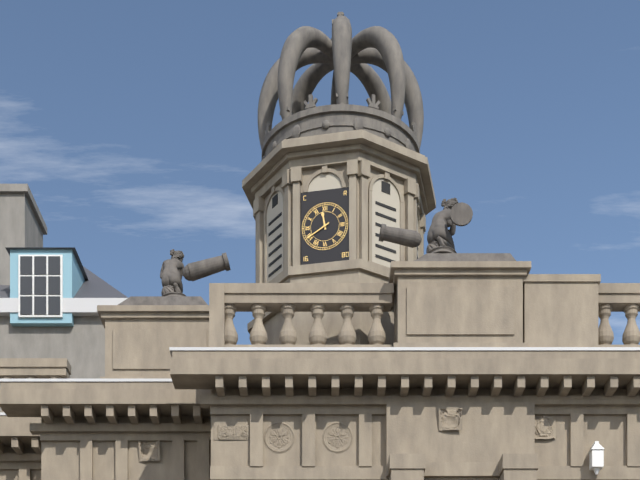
**11:40**
